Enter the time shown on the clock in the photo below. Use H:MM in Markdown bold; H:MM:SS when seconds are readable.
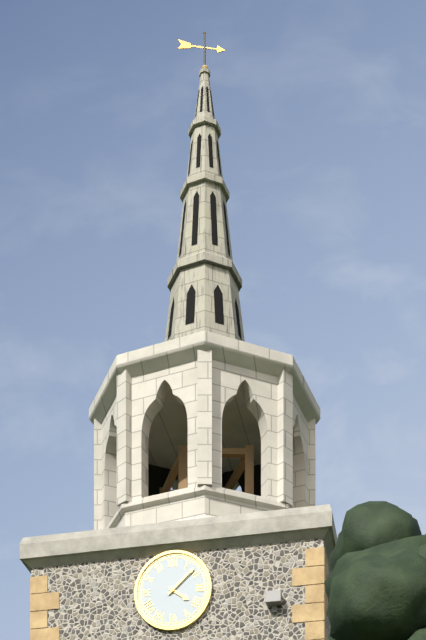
**4:08**
